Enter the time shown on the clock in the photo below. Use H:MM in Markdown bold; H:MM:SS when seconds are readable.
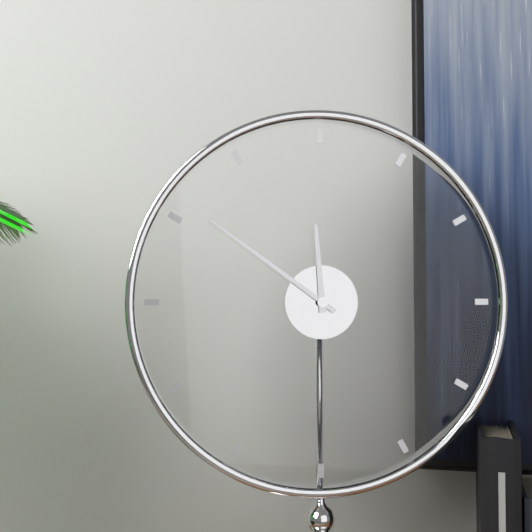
**11:51**
